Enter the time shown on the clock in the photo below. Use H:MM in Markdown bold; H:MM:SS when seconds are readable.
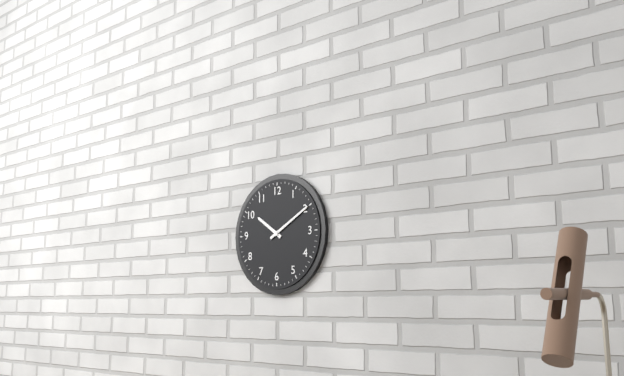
**10:10**
